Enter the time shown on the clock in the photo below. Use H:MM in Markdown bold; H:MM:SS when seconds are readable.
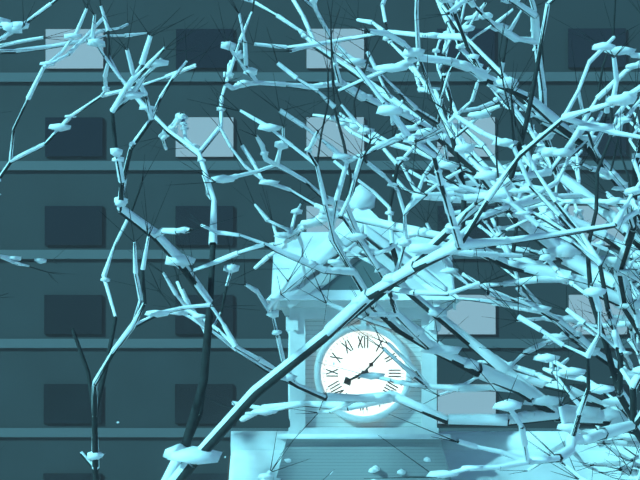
**8:07**
